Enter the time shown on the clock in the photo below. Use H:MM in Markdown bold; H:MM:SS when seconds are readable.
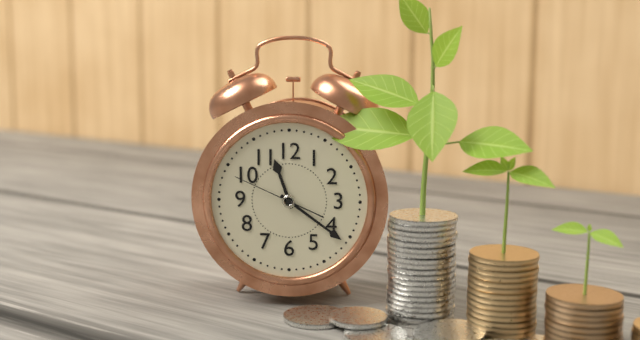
**11:21:49**
